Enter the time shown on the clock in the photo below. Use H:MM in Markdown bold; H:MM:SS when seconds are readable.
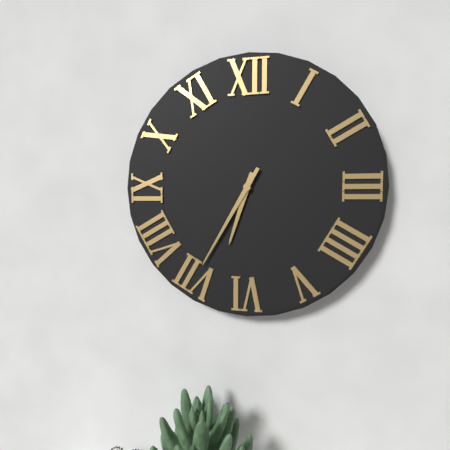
**6:35**
